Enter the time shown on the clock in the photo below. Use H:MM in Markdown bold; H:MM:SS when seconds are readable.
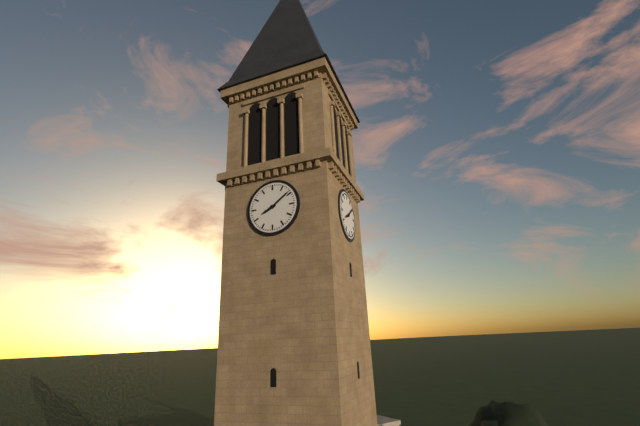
**8:09**
